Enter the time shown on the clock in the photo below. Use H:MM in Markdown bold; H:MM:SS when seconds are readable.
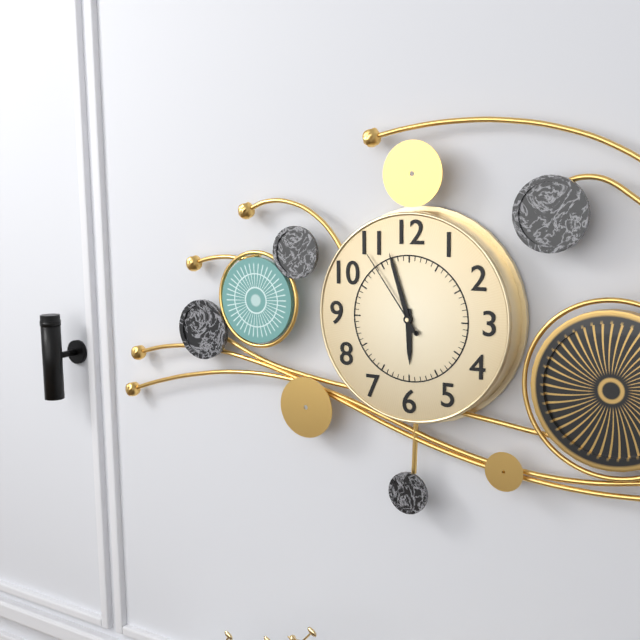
**5:57:54**
